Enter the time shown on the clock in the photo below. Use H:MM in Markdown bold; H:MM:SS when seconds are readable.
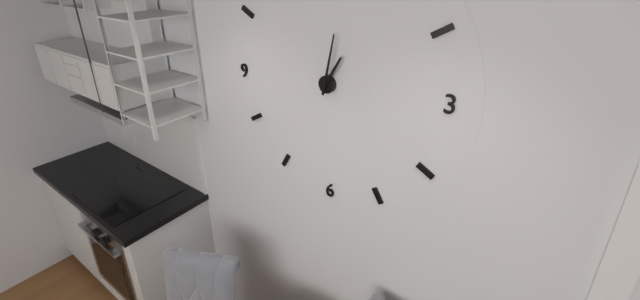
**1:02**
